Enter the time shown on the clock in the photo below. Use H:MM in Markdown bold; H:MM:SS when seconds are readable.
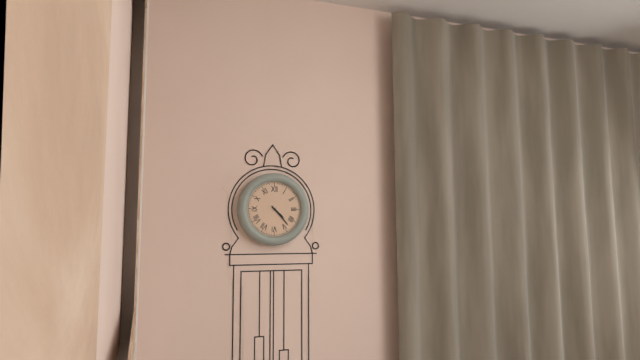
**4:23**
